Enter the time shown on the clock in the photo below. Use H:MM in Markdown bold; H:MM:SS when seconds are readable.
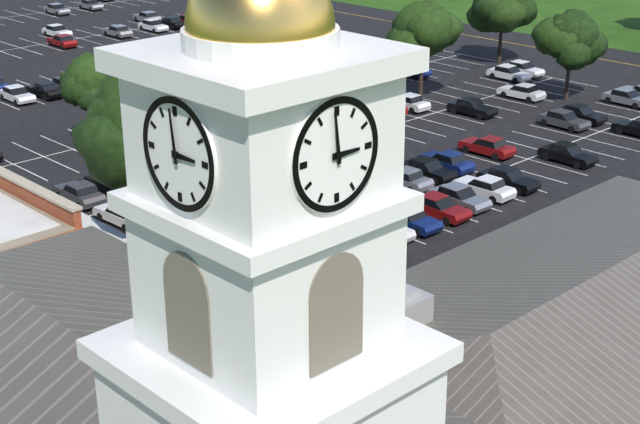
**2:59**
